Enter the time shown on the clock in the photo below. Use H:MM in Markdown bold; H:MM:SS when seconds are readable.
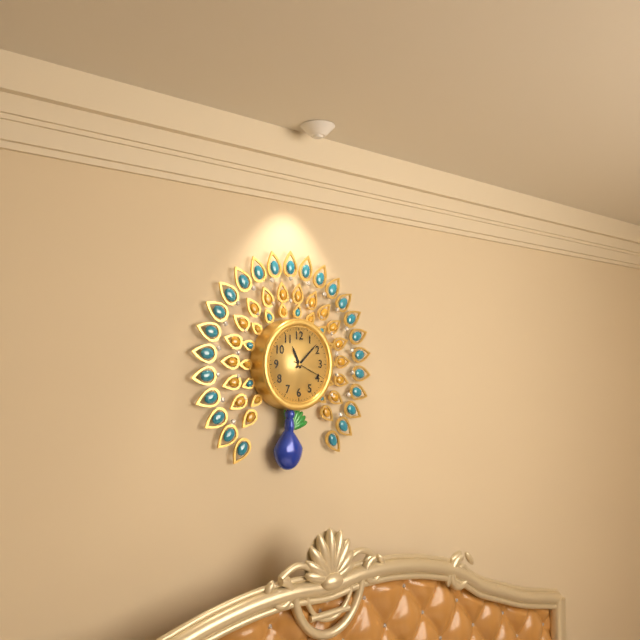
**11:08**
